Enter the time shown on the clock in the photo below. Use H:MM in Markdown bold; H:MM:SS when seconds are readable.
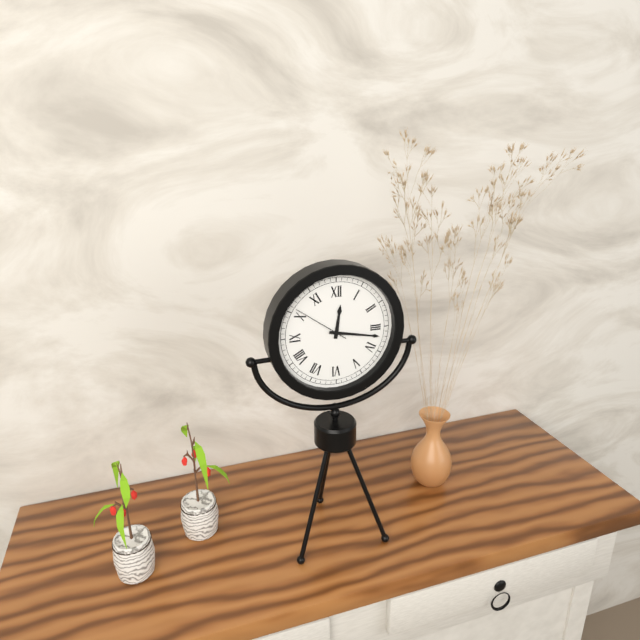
**12:17:51**
